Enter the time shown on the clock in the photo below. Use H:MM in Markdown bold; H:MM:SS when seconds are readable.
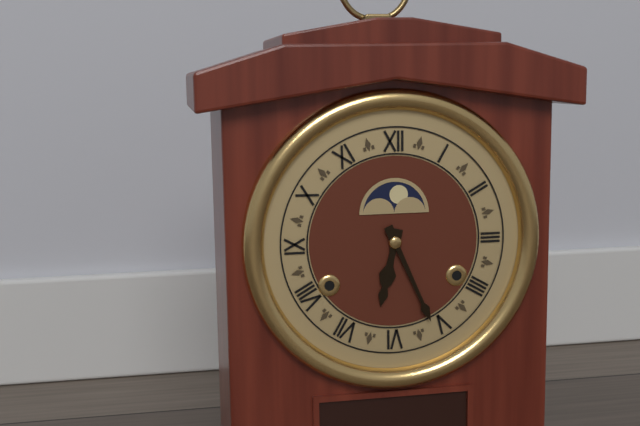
**6:26**
